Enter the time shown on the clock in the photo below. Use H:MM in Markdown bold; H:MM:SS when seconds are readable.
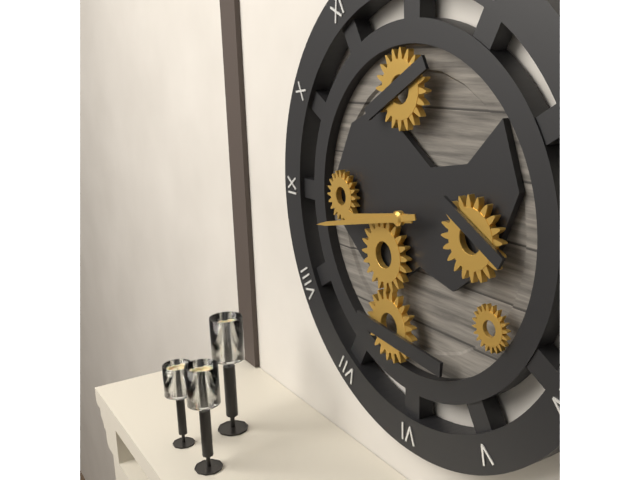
**8:43**
